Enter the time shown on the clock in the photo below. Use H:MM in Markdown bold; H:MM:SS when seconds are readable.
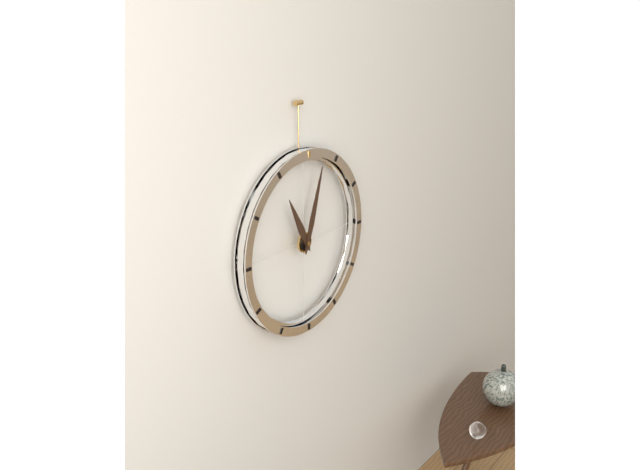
**11:03**
